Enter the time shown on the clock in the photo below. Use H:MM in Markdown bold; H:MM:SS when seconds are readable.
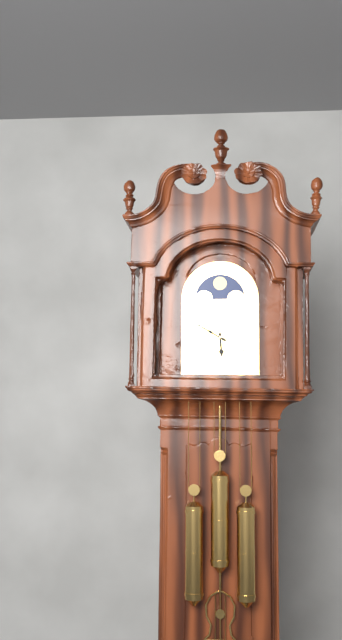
**5:50**
